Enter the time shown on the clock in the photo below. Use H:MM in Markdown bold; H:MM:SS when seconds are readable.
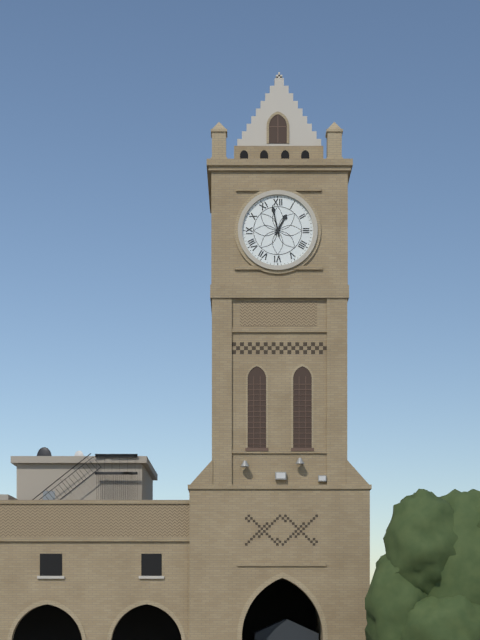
**12:58**
